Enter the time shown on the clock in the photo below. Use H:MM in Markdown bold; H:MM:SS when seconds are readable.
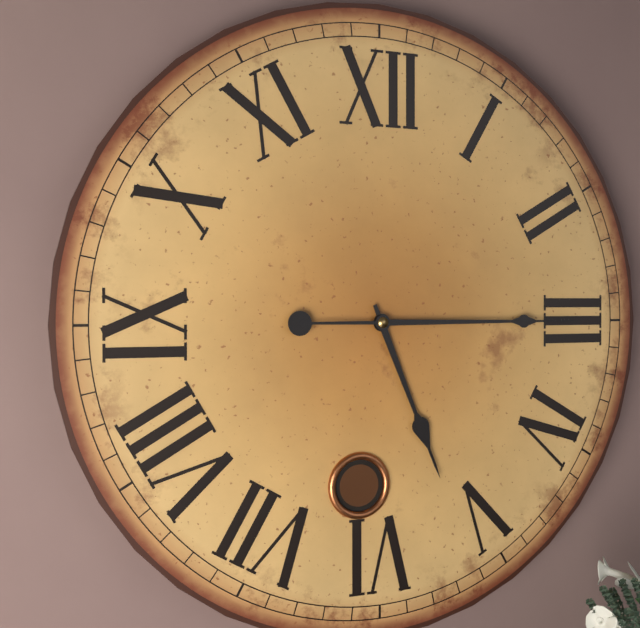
**5:15**
